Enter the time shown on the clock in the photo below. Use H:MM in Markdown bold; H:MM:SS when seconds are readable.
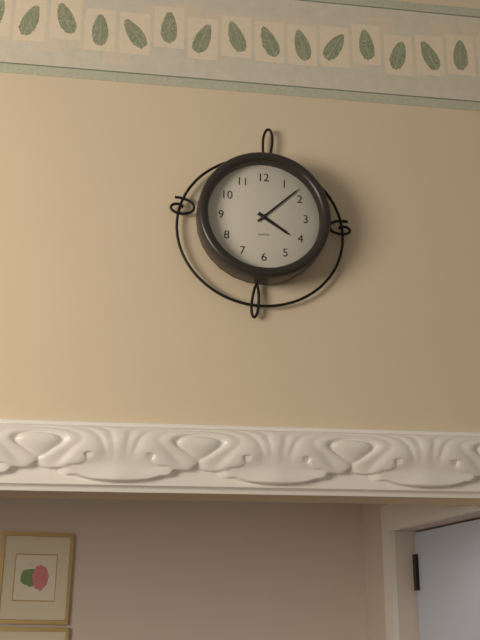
**4:08**
